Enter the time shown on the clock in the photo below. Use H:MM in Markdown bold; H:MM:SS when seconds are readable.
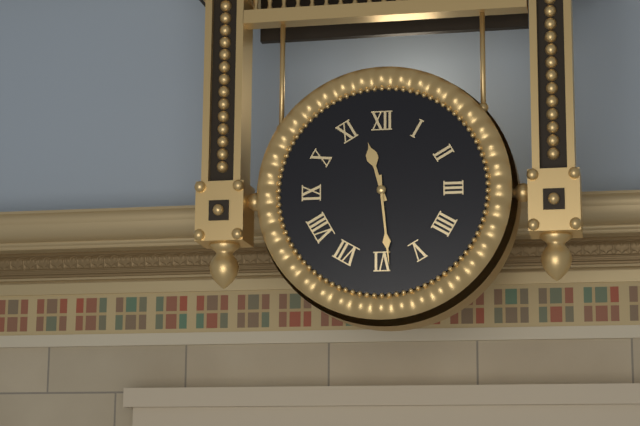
**11:29**
